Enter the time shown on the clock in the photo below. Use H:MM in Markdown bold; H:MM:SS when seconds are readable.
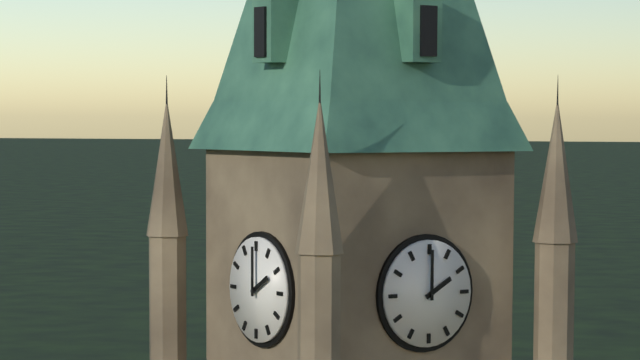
**2:00**
